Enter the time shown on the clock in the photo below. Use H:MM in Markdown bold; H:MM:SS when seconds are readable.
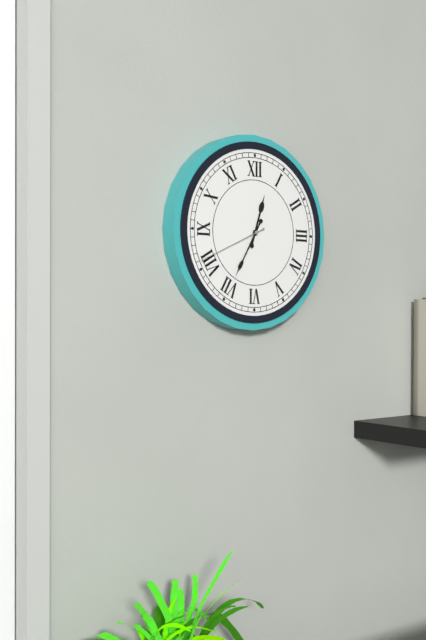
**12:35:41**
